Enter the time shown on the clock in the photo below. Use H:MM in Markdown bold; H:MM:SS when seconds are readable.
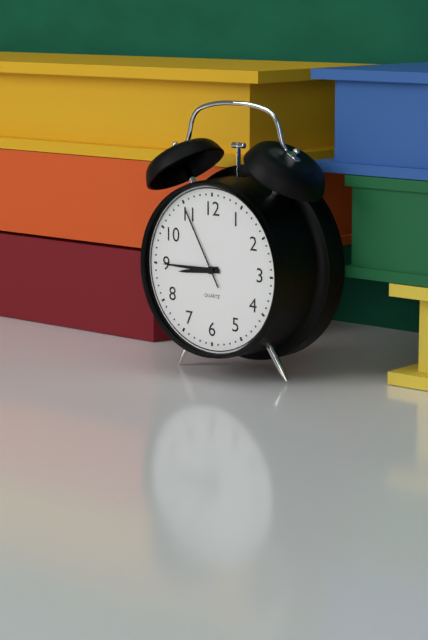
**8:45:55**
